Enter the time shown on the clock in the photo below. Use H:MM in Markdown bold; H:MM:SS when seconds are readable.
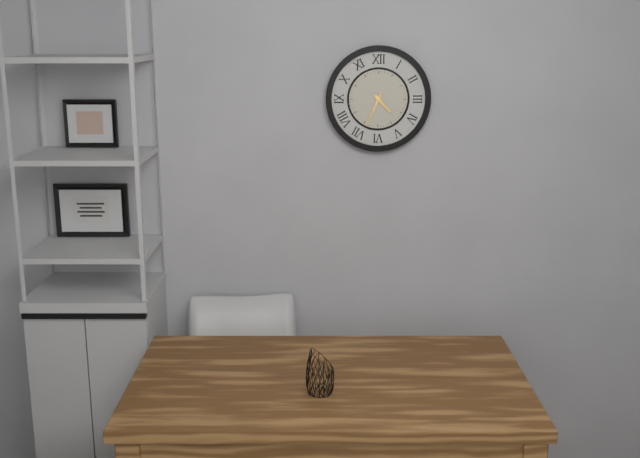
**4:34**
